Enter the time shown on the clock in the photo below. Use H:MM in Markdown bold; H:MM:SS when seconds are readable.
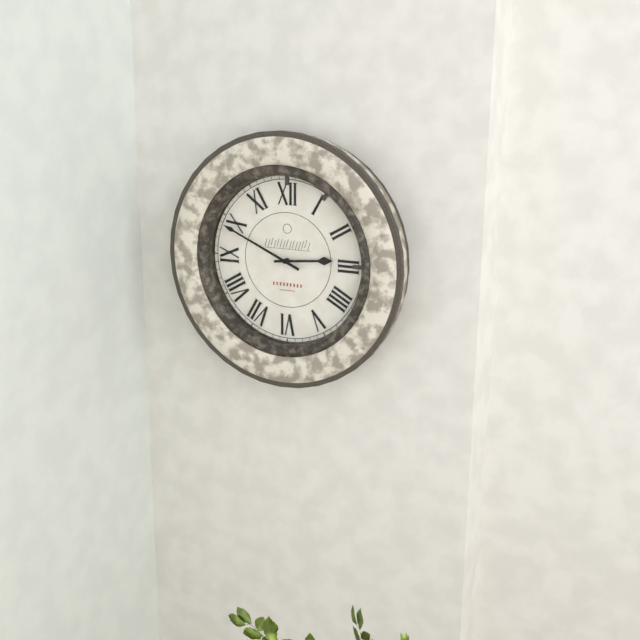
**2:49**
